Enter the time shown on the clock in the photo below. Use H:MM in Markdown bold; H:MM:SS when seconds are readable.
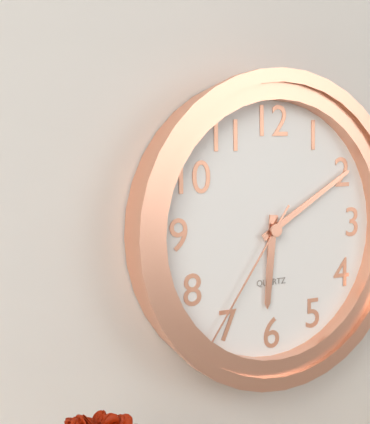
**6:10:36**
